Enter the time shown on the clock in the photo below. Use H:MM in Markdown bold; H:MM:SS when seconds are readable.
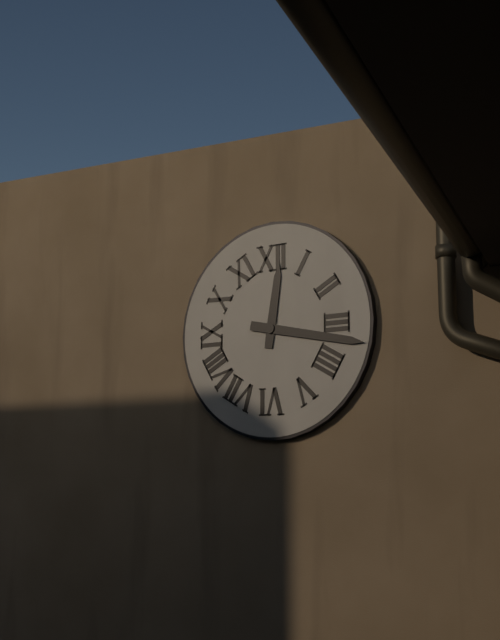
**12:17**
